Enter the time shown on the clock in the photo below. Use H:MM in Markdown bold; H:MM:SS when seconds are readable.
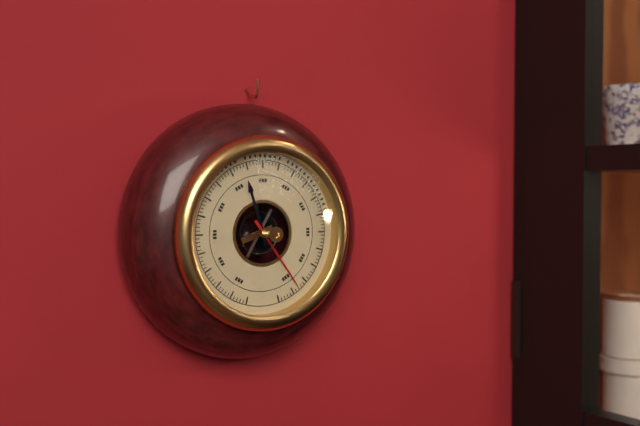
**11:24**
